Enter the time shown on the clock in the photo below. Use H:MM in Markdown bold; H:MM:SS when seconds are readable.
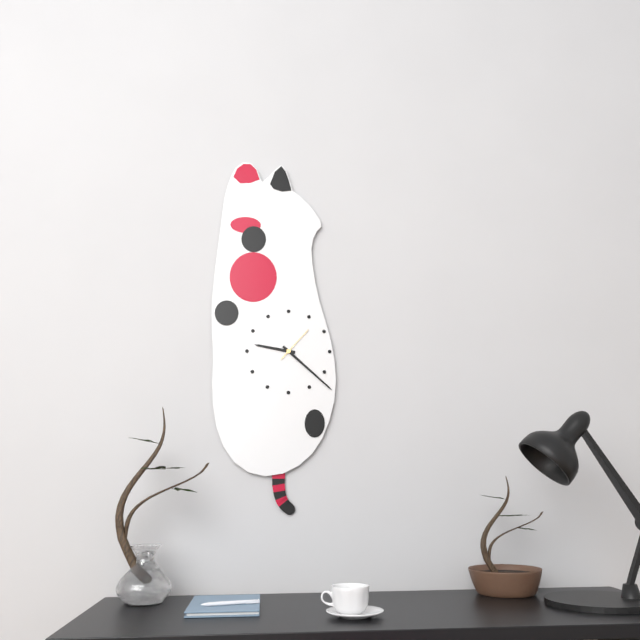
**9:22**
